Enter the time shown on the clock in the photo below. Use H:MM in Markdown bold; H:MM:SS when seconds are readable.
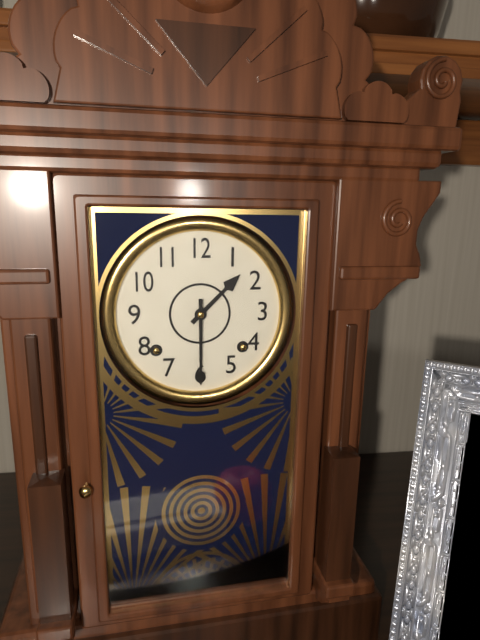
**1:30**
